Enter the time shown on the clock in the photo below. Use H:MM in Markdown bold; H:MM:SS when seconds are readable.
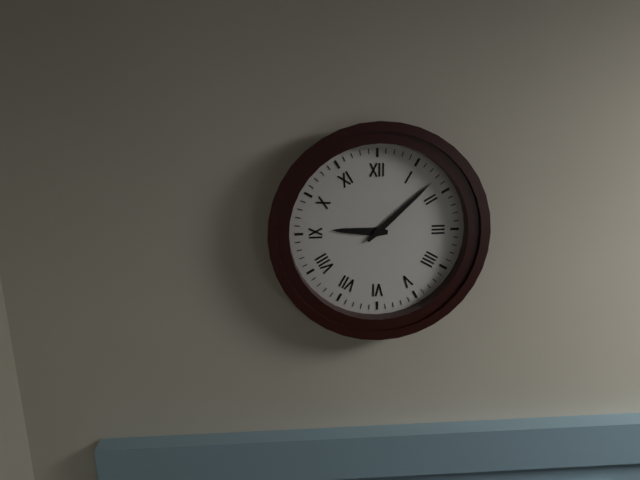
**9:08**
